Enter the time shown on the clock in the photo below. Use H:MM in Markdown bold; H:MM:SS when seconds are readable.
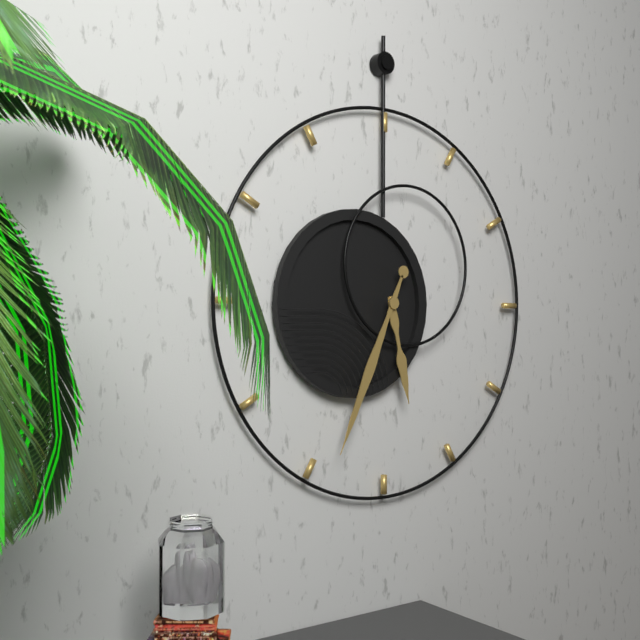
**5:34**
